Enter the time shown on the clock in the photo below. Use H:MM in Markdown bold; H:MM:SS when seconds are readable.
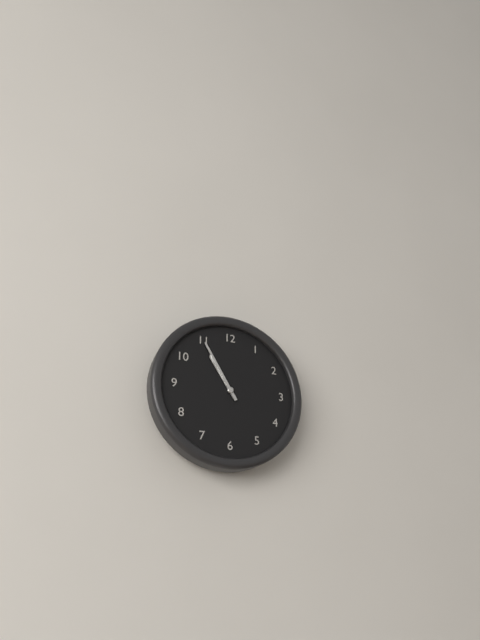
**10:55**
